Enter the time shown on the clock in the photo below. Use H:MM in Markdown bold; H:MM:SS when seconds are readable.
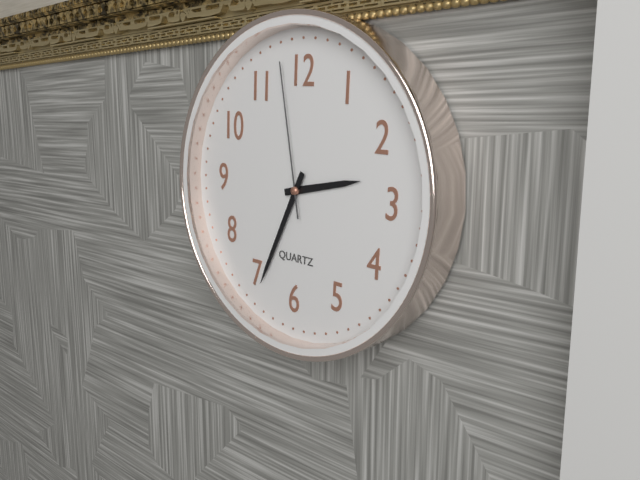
**2:34:58**
